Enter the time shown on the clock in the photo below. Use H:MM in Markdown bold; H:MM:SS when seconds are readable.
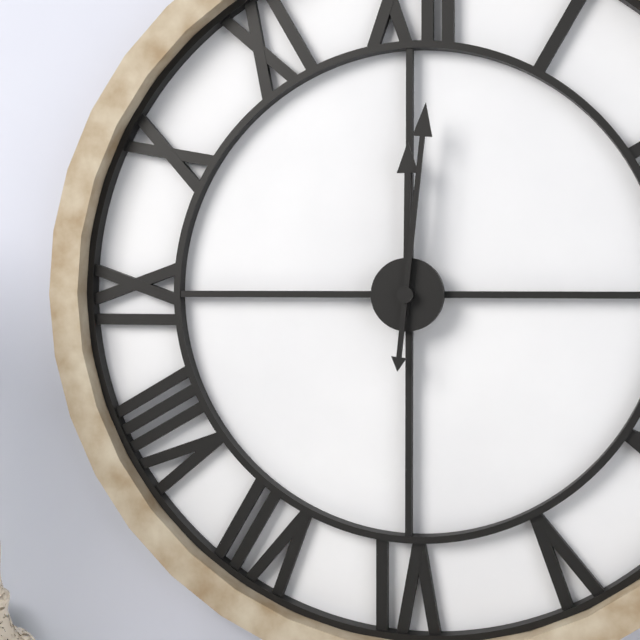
**12:01**
